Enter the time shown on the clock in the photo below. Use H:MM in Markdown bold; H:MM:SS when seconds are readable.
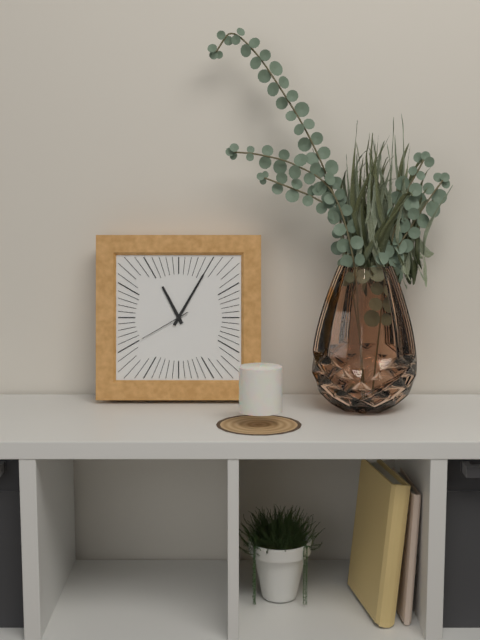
**11:05:40**
